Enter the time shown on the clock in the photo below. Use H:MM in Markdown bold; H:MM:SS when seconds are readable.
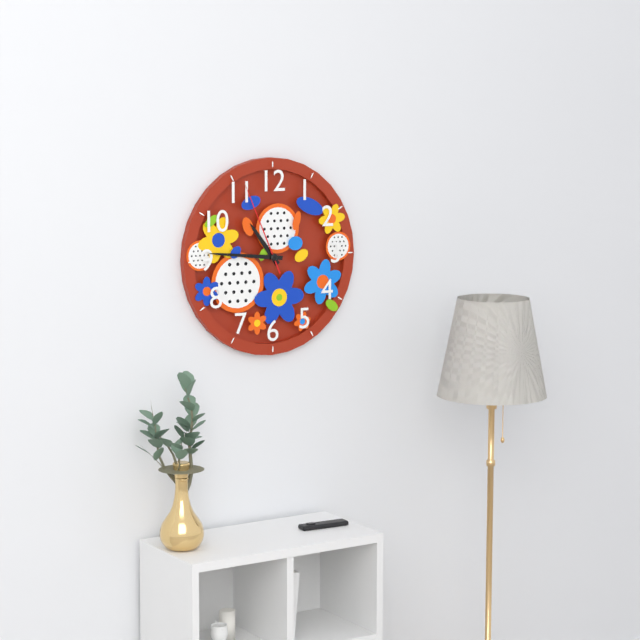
**10:46:56**
